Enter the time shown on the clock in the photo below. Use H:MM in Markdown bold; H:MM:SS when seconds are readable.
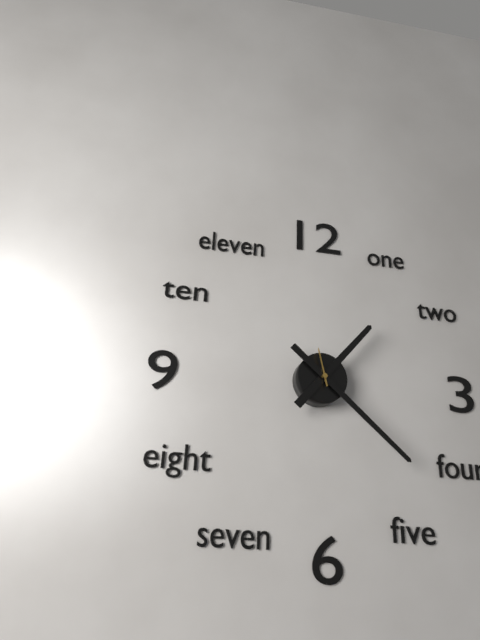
**1:22**
